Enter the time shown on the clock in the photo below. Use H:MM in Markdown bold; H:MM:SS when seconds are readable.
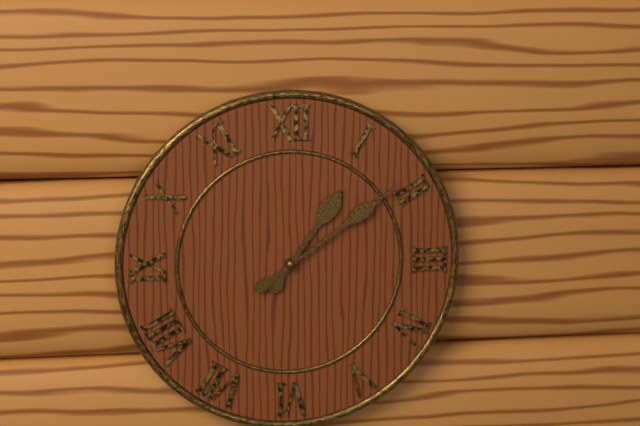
**1:09**
